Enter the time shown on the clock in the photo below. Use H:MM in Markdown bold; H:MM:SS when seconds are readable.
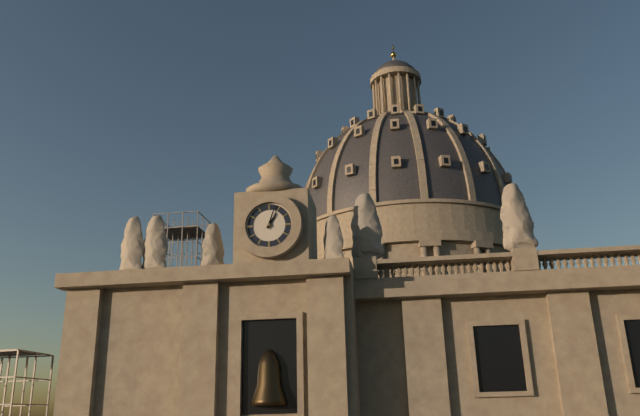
**1:03**
